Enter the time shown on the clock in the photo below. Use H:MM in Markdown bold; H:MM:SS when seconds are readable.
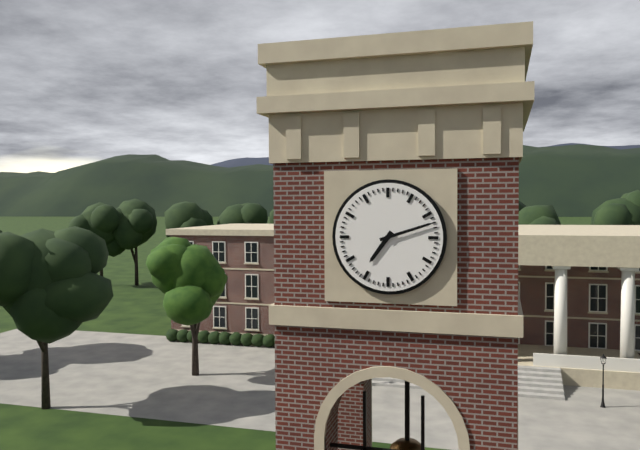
**7:12**
